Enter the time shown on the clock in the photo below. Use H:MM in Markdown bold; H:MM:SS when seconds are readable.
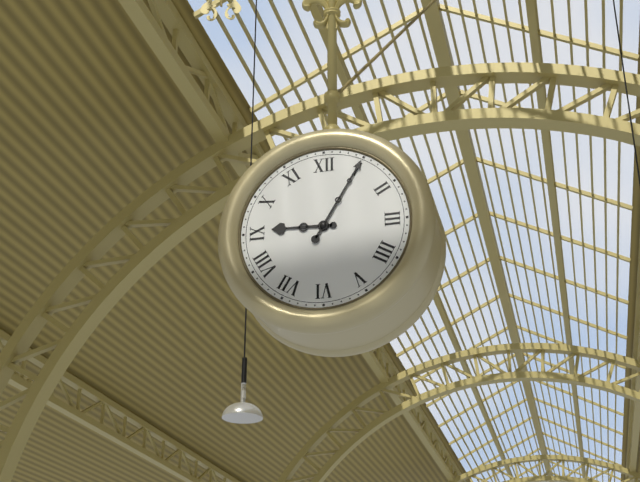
**9:05**
